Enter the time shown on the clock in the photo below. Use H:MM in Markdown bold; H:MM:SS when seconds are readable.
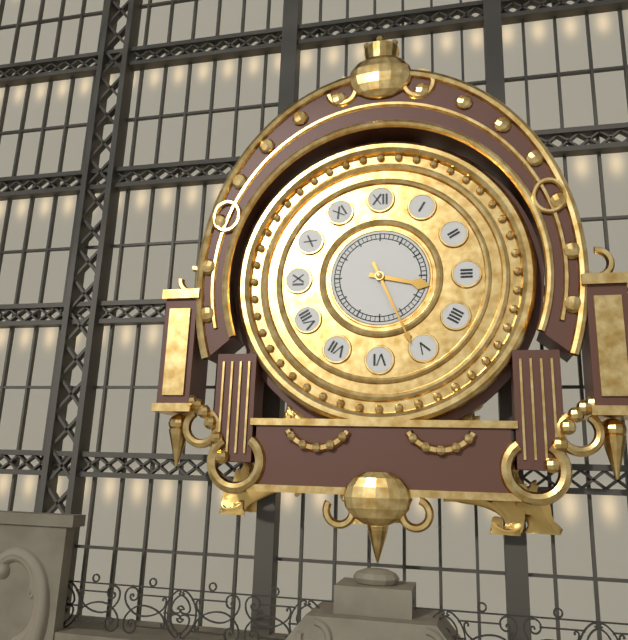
**3:26**
